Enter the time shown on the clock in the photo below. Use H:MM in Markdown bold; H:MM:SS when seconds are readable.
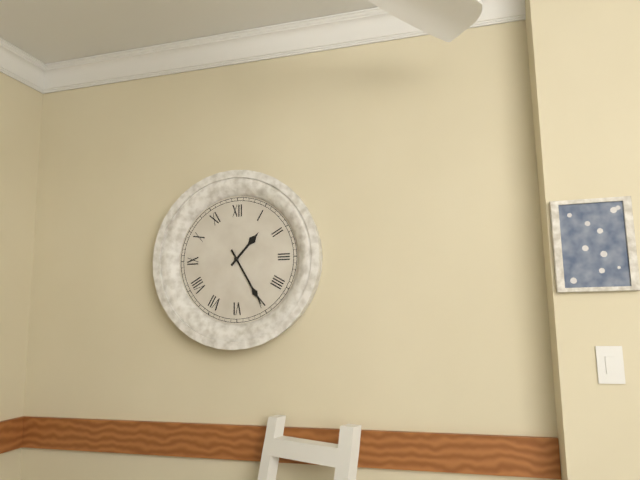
**1:25**
